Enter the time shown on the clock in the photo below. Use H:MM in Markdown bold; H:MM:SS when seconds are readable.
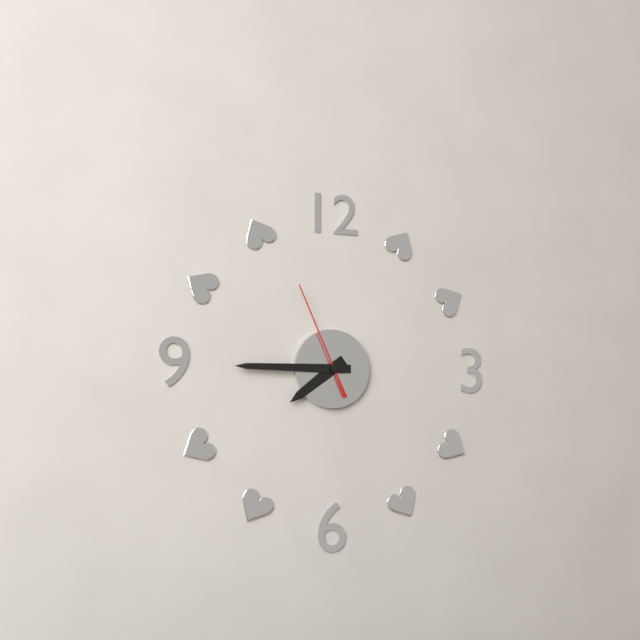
**7:45:56**
